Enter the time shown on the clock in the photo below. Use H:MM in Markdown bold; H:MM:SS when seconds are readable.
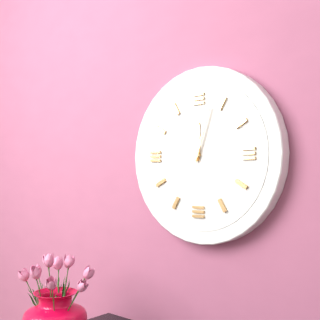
**12:03**
